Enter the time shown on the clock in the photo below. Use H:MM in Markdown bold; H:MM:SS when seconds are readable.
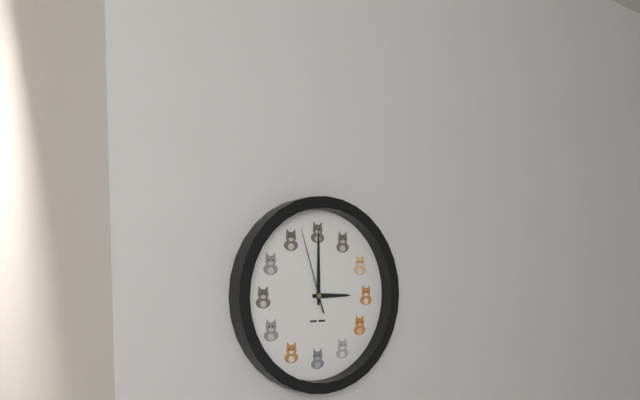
**3:00:57**
